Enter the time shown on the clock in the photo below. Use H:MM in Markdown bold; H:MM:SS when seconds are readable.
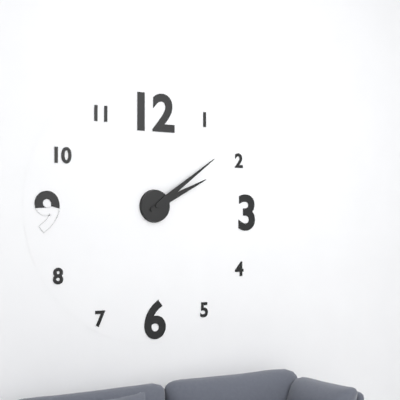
**2:09**
